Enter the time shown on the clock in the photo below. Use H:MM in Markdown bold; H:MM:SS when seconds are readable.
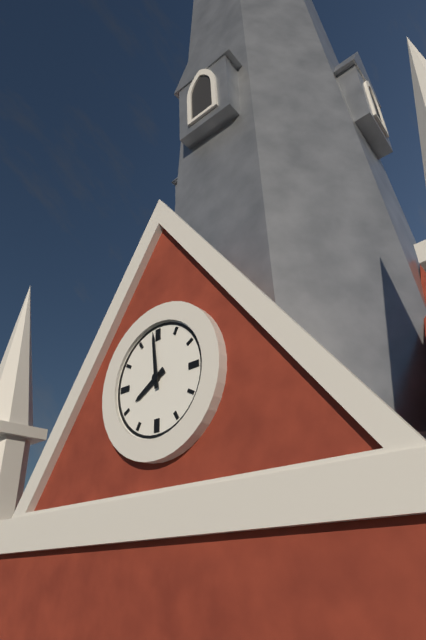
**7:59**
